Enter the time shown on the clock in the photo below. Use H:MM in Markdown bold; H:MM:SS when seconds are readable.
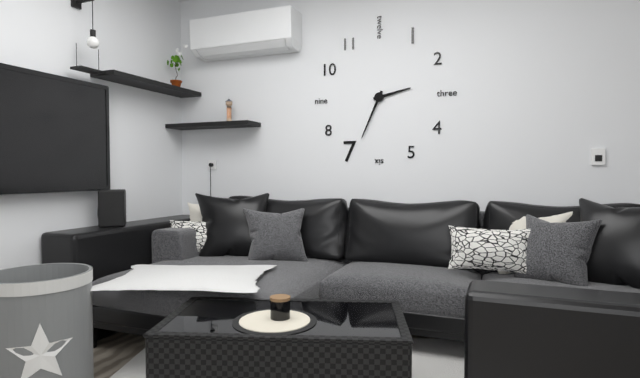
**2:34**
